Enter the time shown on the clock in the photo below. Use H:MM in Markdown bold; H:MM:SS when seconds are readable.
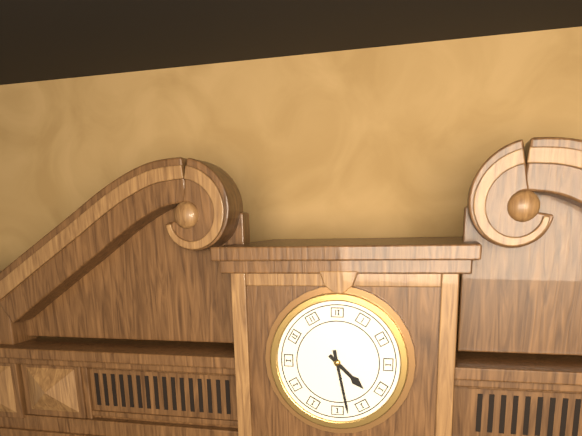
**4:28**
